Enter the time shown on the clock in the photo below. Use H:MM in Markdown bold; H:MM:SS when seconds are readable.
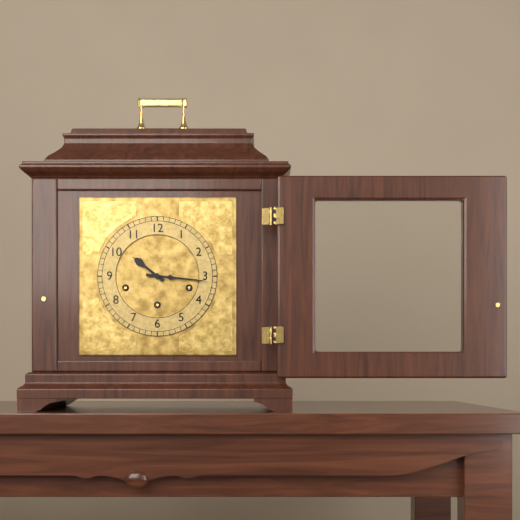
**10:16**
